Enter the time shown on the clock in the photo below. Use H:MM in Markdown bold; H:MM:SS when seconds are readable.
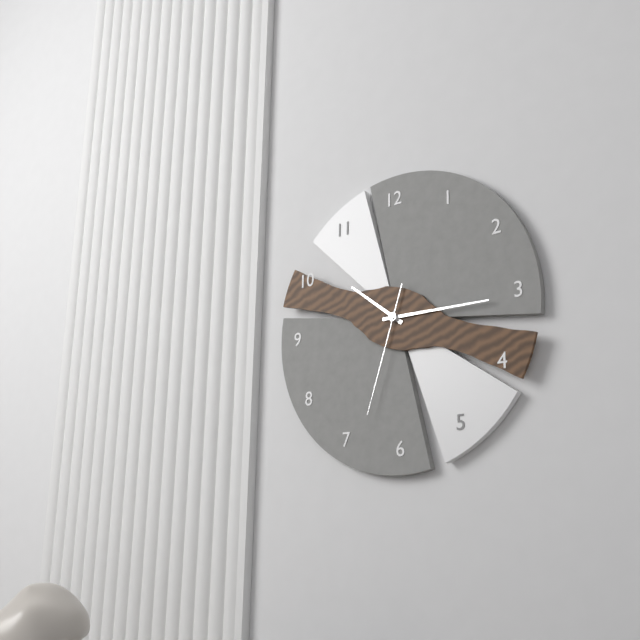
**10:15:33**
